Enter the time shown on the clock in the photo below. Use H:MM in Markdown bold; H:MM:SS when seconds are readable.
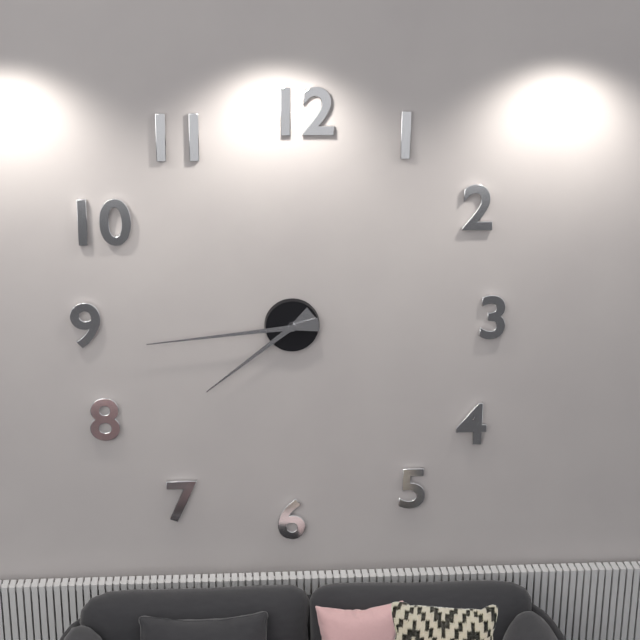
**7:44**
